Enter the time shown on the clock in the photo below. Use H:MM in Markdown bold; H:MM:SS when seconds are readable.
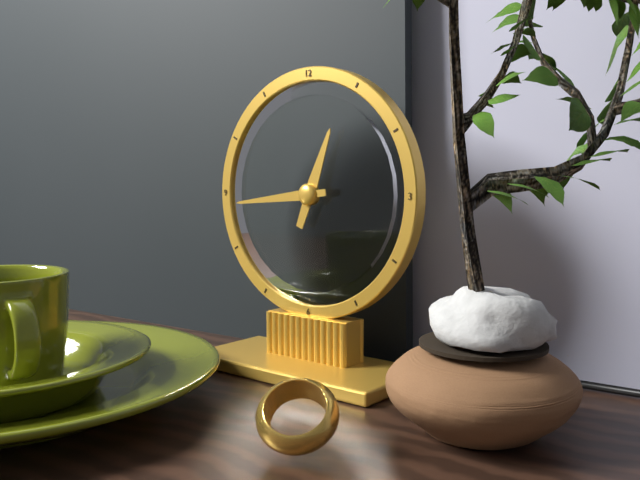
**12:44**
